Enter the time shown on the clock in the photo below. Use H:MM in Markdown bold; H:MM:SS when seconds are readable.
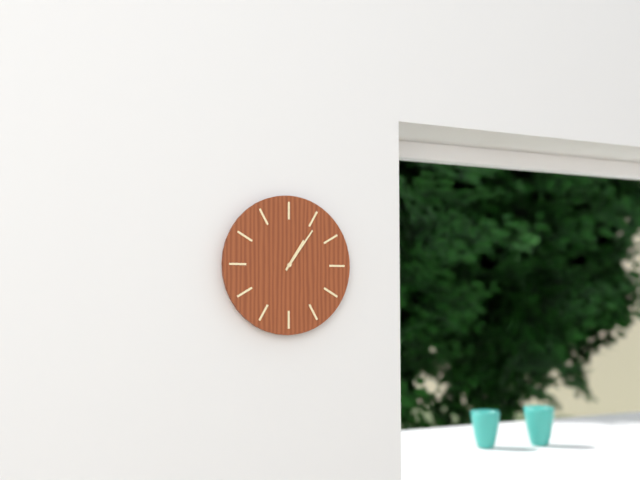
**1:06**
